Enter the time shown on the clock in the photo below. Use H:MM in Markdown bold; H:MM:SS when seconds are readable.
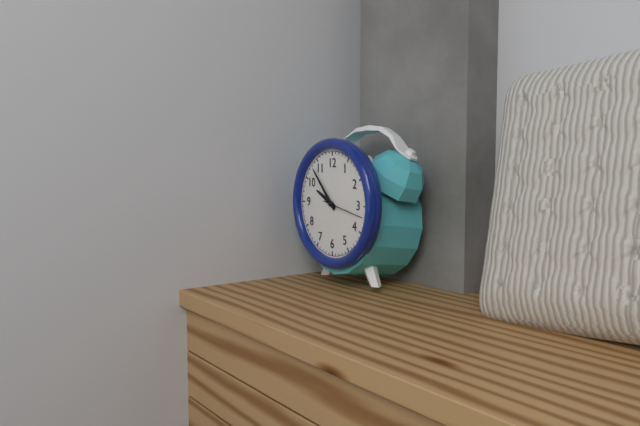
**9:53**
